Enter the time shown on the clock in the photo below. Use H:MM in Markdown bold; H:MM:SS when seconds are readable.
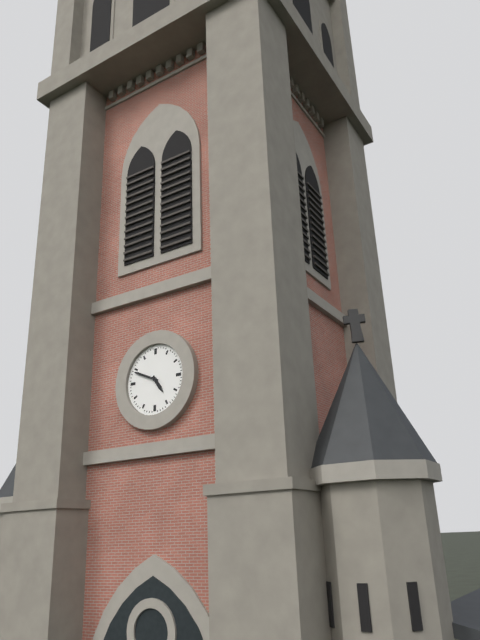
**4:49**
